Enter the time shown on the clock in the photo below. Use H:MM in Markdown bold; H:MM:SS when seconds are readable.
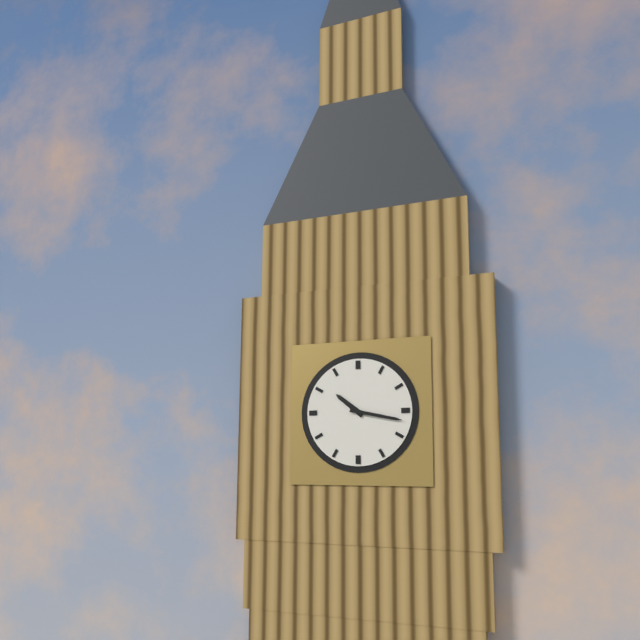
**10:17**
